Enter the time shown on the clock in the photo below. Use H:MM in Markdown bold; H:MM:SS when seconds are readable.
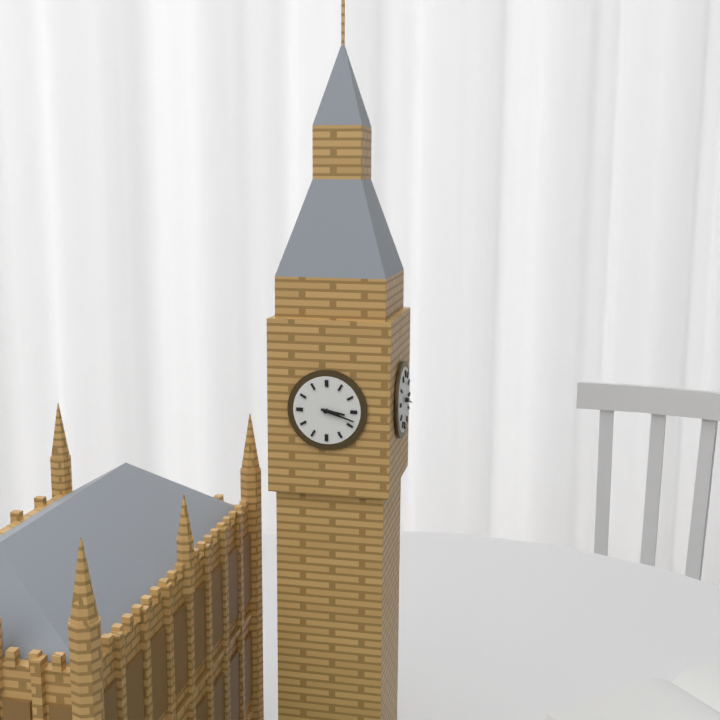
**3:18**
